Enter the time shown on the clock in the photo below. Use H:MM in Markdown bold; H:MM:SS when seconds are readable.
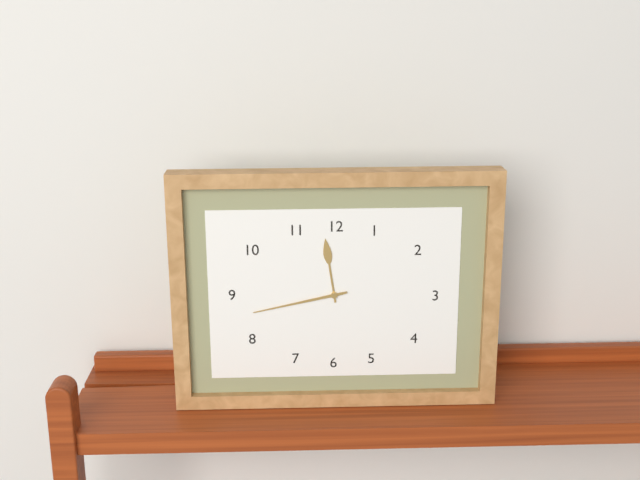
**11:43**
